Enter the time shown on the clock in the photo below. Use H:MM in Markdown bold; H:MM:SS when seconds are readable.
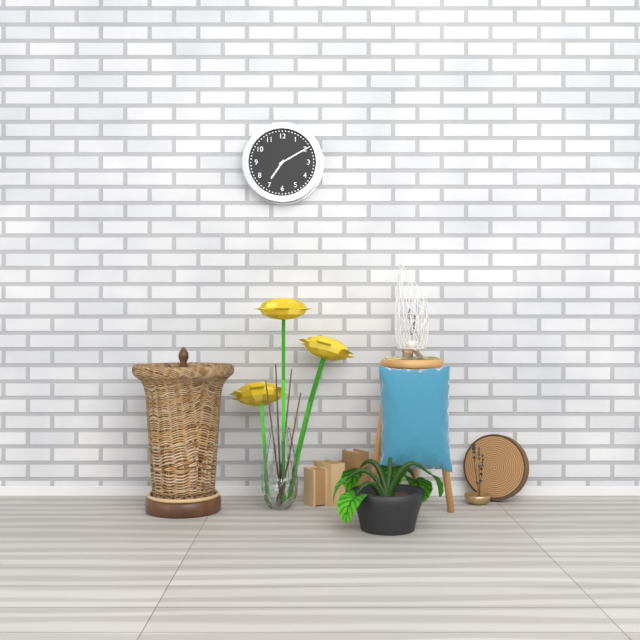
**7:10**
